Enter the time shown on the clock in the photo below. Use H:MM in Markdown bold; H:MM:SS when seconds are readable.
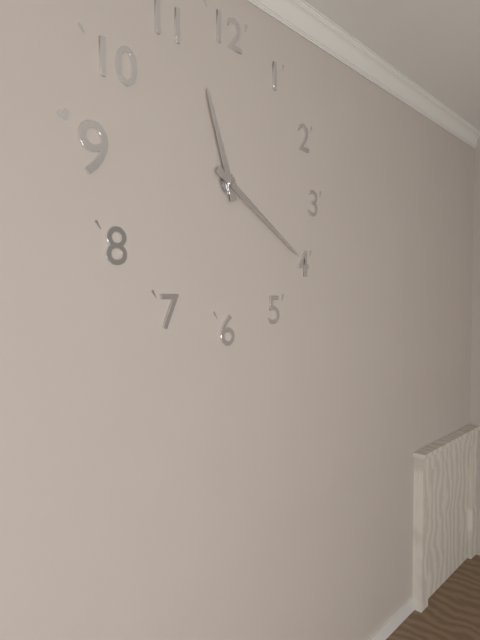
**11:20**
